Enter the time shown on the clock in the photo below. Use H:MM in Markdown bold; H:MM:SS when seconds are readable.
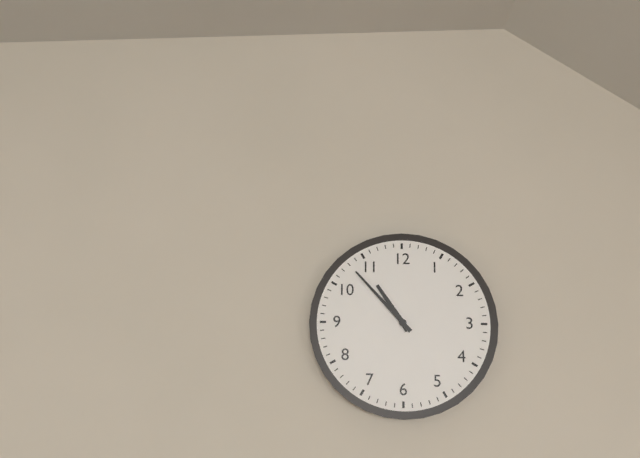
**10:53**
